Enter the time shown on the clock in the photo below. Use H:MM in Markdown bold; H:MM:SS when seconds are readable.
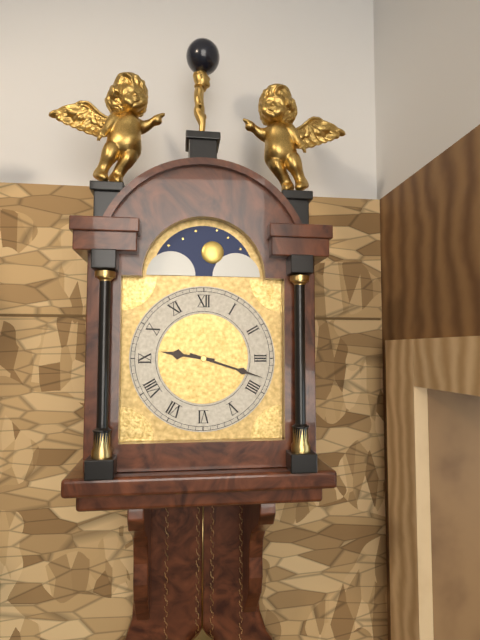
**9:18**
